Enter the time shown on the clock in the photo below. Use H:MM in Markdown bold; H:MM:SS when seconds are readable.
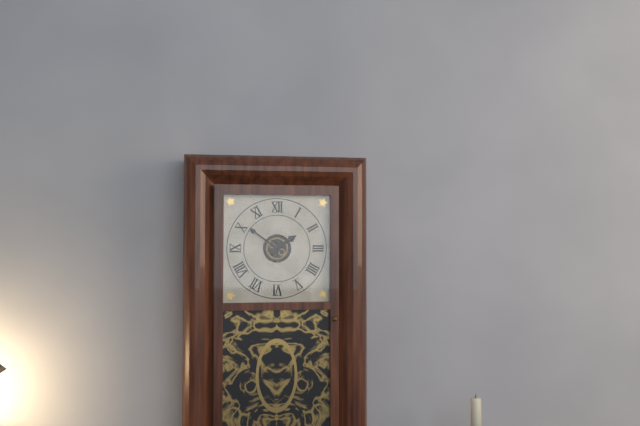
**1:51**
